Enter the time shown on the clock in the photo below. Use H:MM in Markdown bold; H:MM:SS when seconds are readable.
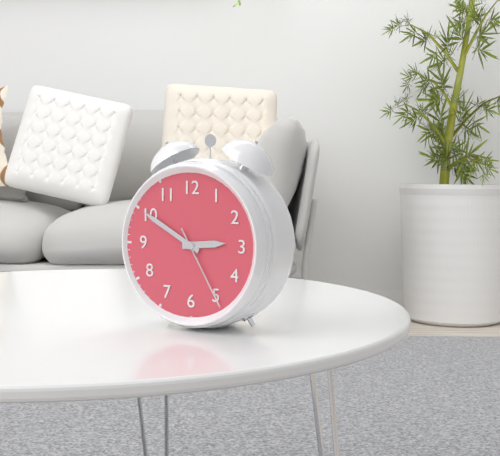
**2:50:25**
